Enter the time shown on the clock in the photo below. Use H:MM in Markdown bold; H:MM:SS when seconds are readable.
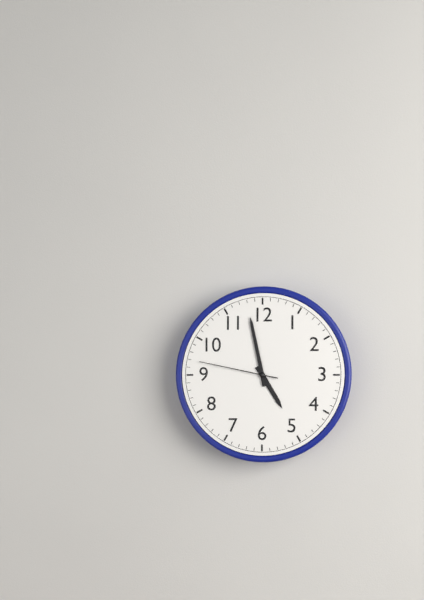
**4:58:47**
